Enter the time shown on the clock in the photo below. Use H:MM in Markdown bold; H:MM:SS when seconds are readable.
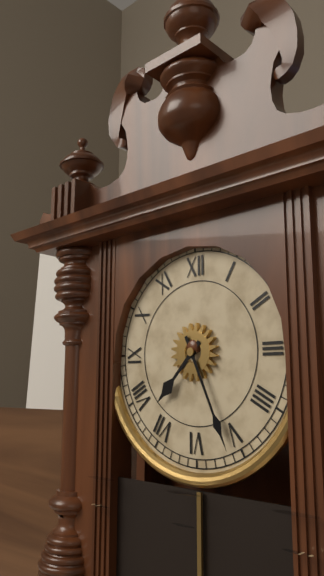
**7:26**
